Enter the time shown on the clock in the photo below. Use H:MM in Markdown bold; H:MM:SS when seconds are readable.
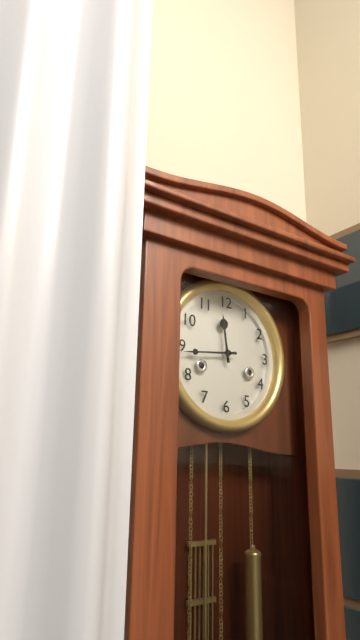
**11:44**
